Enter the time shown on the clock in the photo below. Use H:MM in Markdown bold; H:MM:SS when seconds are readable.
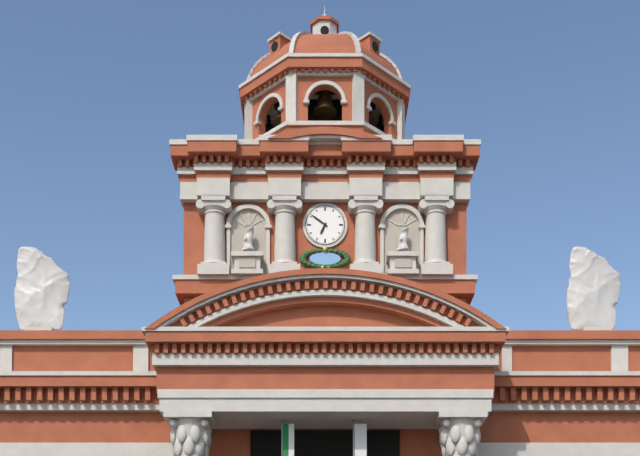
**6:51**
